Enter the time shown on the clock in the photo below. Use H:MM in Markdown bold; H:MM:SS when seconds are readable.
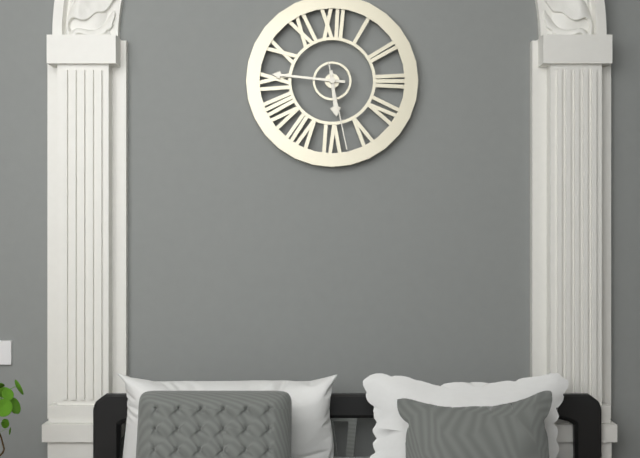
**5:46:28**
